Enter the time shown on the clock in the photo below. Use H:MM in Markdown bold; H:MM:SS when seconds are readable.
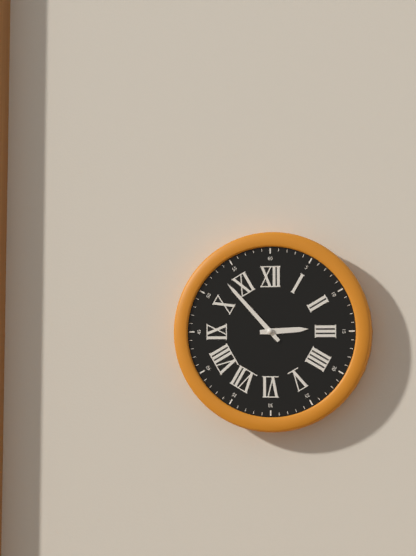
**2:53**
